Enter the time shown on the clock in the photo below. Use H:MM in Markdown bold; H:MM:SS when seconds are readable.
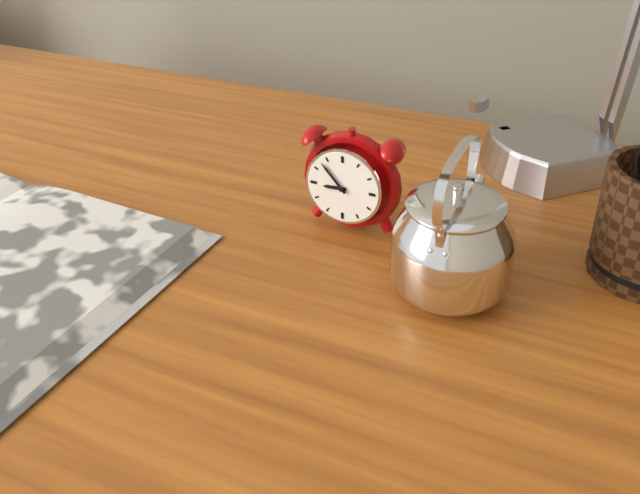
**8:53**
